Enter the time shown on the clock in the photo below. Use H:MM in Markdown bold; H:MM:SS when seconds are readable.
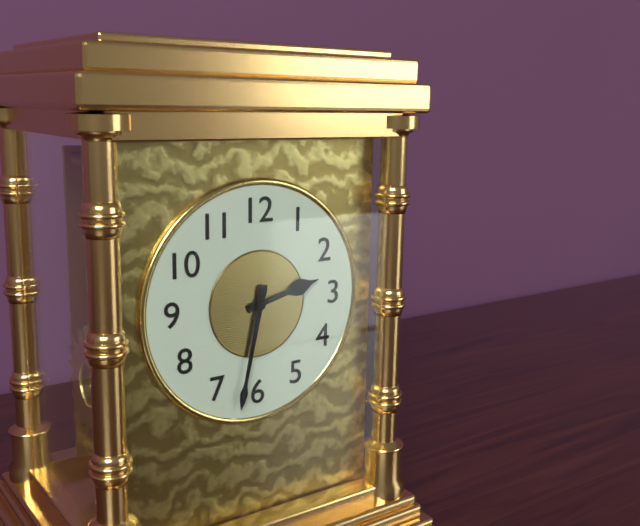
**2:32**
